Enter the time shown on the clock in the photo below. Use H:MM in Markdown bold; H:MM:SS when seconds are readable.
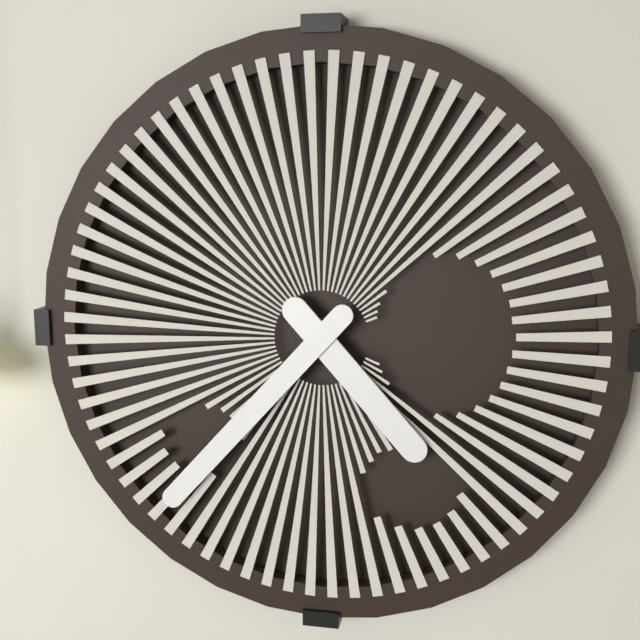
**4:37**
